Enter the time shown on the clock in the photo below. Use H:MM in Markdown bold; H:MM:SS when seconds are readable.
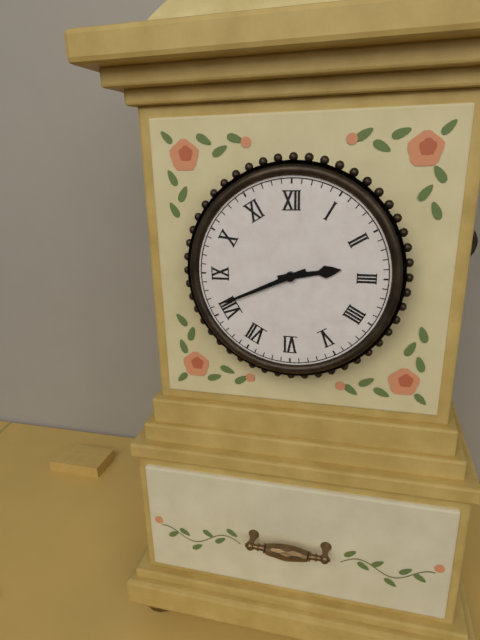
**2:41**
